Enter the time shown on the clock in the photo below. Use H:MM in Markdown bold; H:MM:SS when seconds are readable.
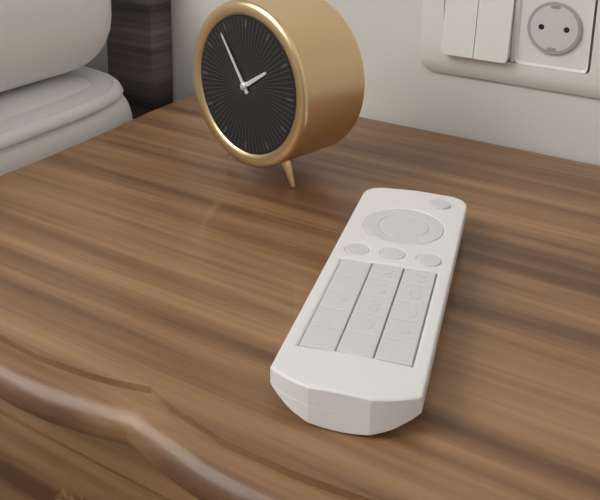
**1:54**
